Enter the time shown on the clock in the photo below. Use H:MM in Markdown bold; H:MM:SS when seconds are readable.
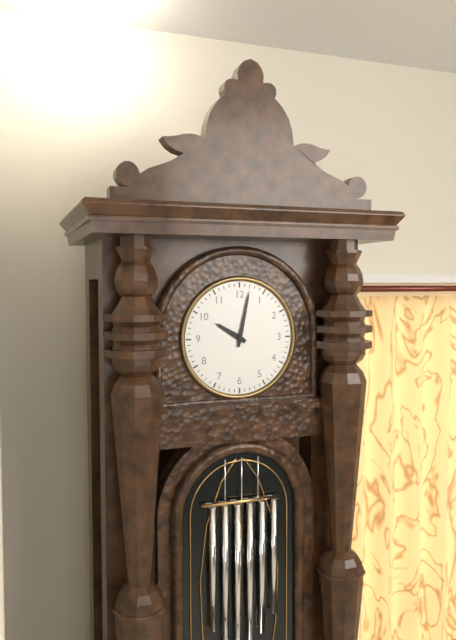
**10:02**
